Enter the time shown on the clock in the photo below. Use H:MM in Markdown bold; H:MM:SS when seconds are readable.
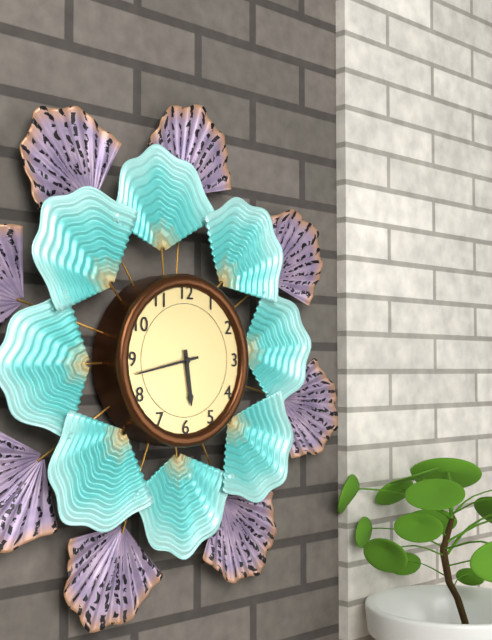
**5:43**
